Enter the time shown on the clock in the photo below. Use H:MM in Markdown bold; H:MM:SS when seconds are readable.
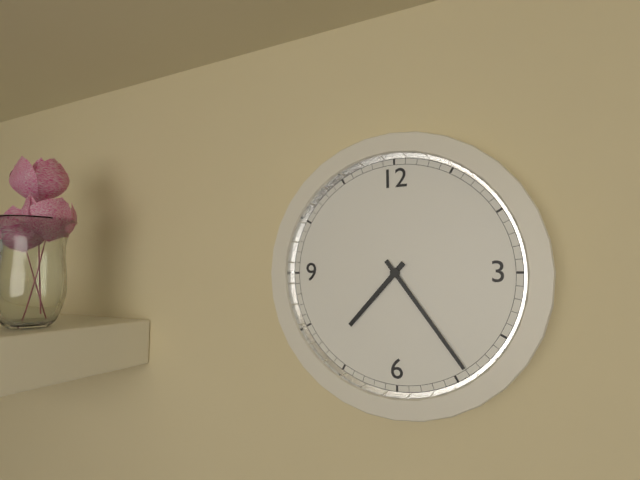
**7:24**
